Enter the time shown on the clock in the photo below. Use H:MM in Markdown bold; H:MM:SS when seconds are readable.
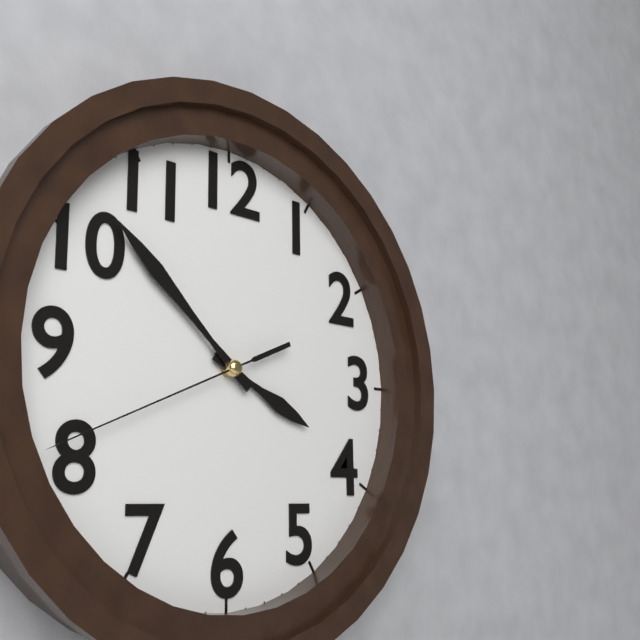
**3:52:41**
